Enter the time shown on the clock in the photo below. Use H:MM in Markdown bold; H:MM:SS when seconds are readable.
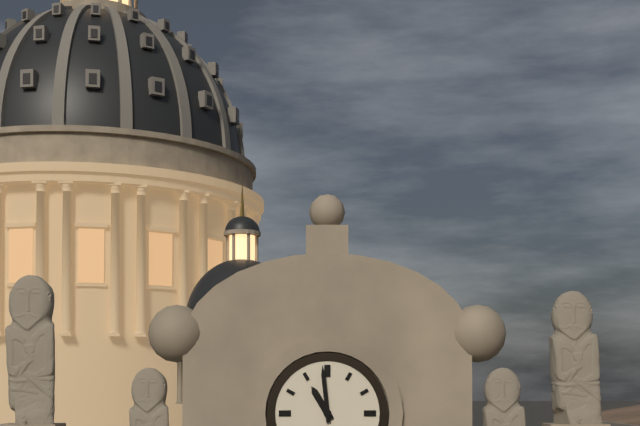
**10:59**
